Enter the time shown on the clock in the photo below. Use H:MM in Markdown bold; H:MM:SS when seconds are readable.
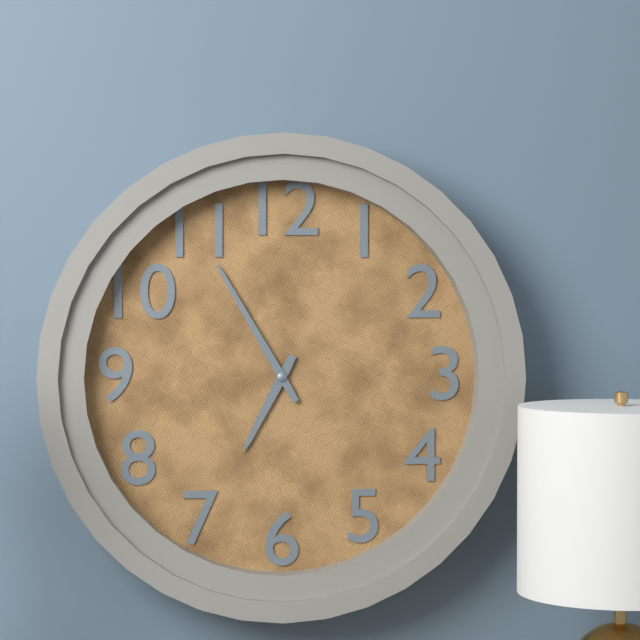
**6:55**
